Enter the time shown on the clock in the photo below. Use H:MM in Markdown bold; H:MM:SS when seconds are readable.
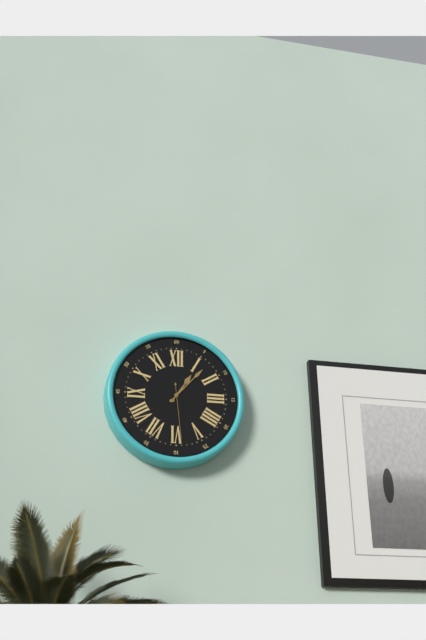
**1:07**
